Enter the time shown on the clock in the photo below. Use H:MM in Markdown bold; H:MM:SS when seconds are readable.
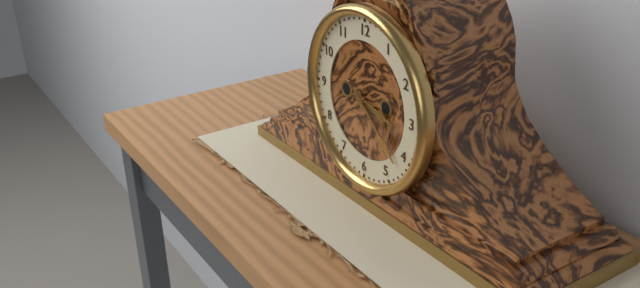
**3:22**
